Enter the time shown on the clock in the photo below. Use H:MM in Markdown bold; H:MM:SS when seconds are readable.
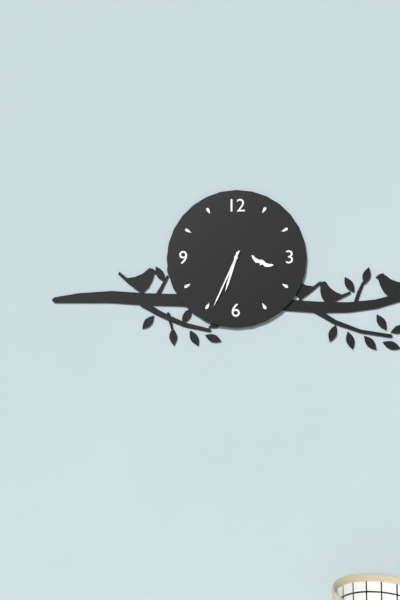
**6:34**
